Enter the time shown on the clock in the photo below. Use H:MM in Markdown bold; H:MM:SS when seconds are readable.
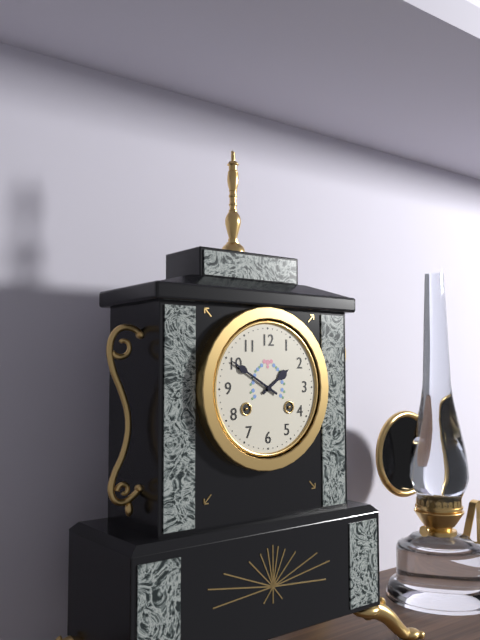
**1:50**
